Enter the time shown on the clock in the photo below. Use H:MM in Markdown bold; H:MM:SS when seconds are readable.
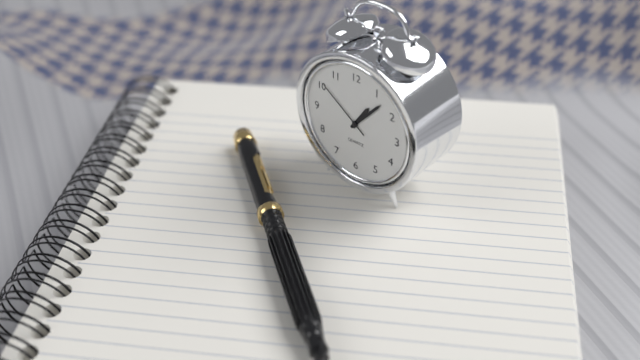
**1:07:51**
